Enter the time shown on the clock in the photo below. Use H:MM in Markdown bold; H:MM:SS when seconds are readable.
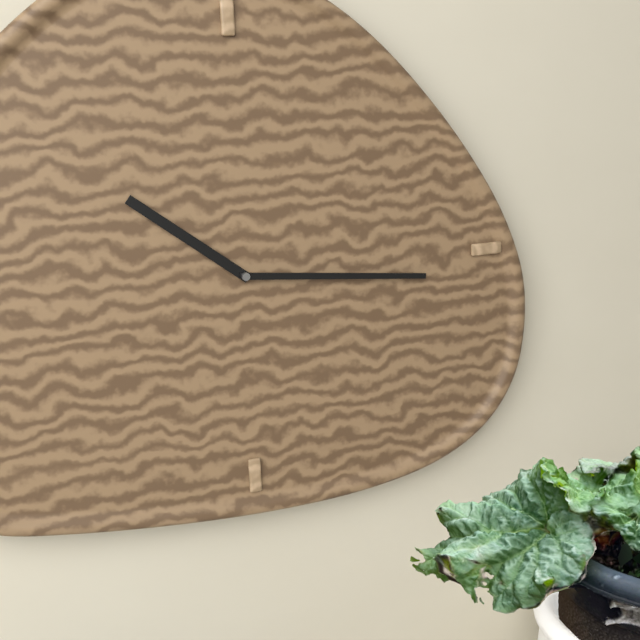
**10:16**
